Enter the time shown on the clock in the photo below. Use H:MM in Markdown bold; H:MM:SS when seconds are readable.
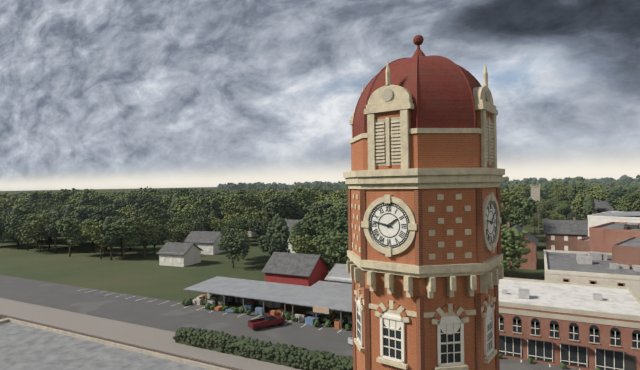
**1:47**
